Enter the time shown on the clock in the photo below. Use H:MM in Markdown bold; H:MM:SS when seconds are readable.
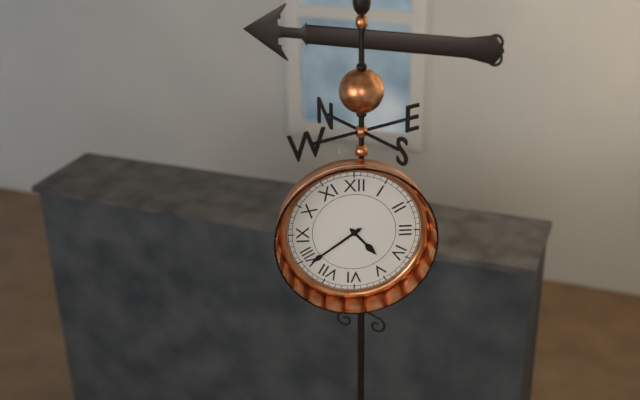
**4:39**
